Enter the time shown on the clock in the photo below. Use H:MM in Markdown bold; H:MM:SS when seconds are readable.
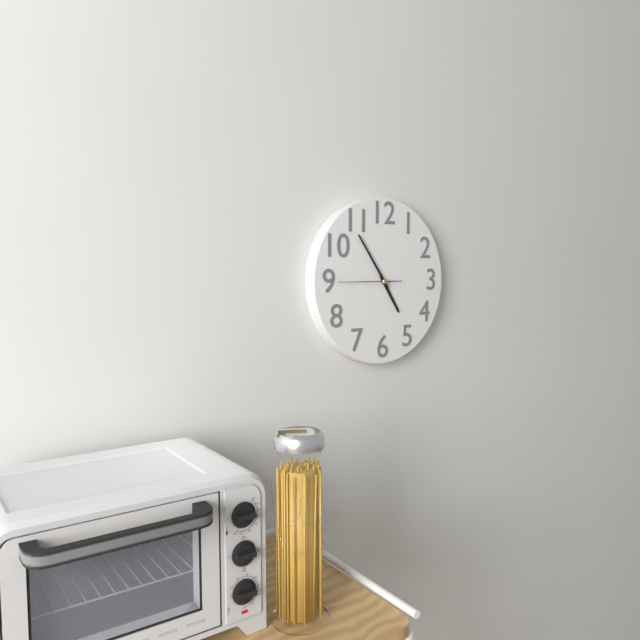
**4:54:45**
